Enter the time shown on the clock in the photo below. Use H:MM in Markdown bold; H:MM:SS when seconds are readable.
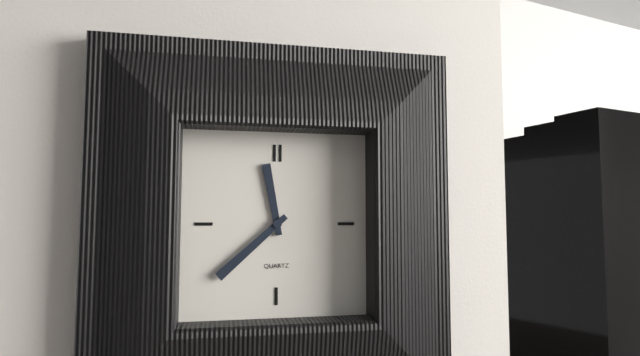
**11:38**
